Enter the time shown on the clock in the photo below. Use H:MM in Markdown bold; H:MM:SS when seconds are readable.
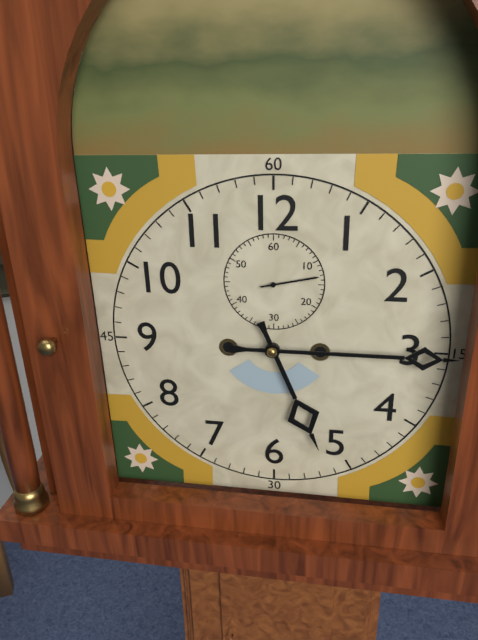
**5:15:13**
